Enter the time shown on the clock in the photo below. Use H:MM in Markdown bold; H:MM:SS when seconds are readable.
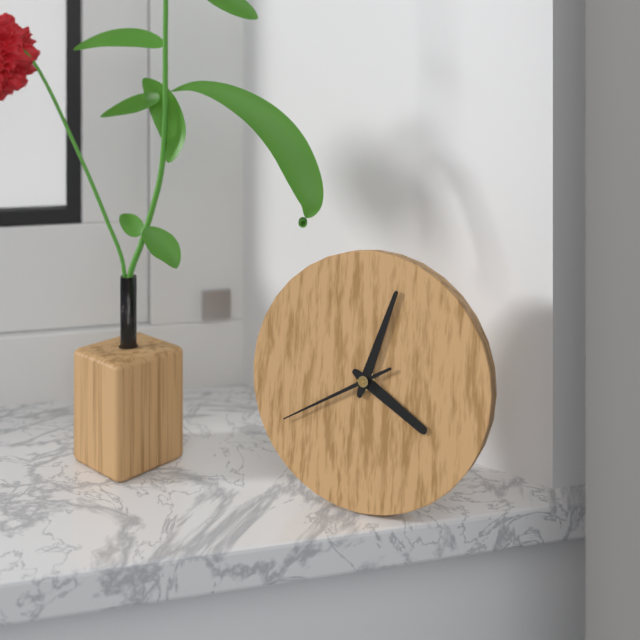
**4:03:40**
